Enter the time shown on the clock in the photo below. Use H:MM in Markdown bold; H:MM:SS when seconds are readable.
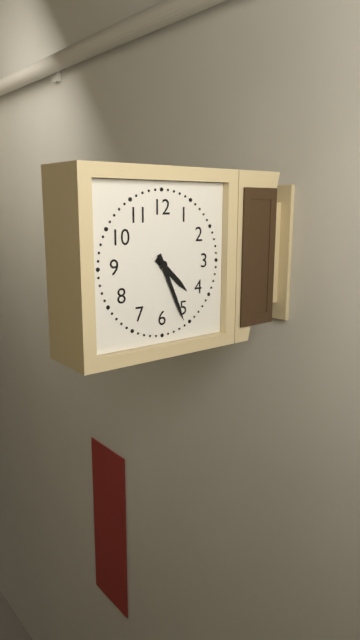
**4:26**
